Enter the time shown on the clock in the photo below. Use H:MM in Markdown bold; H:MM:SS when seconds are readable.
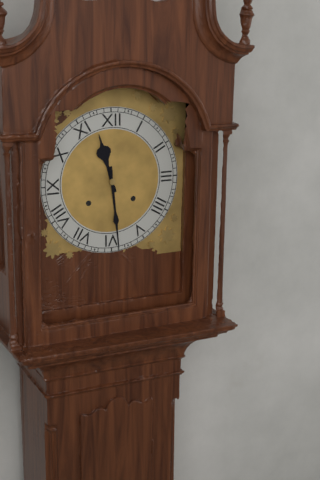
**11:29**
